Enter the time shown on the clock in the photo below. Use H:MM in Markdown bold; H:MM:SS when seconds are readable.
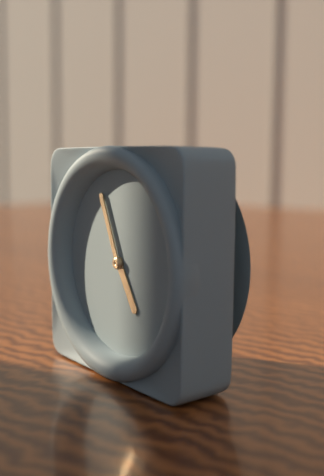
**4:56**
